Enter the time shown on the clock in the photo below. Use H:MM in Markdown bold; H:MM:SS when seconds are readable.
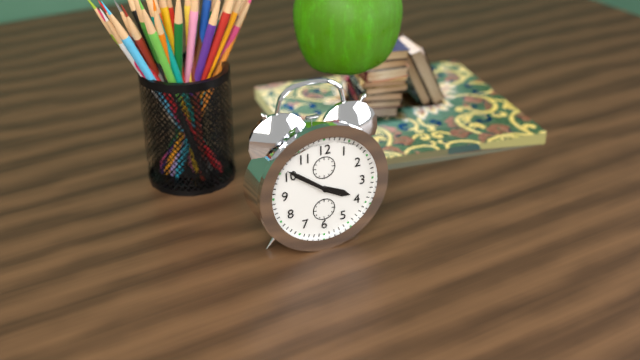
**3:51**
